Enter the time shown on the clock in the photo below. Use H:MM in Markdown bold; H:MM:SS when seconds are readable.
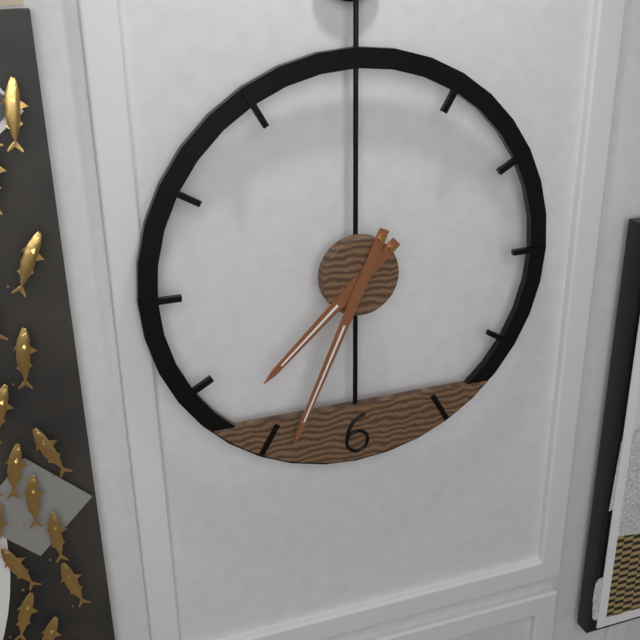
**7:34**
